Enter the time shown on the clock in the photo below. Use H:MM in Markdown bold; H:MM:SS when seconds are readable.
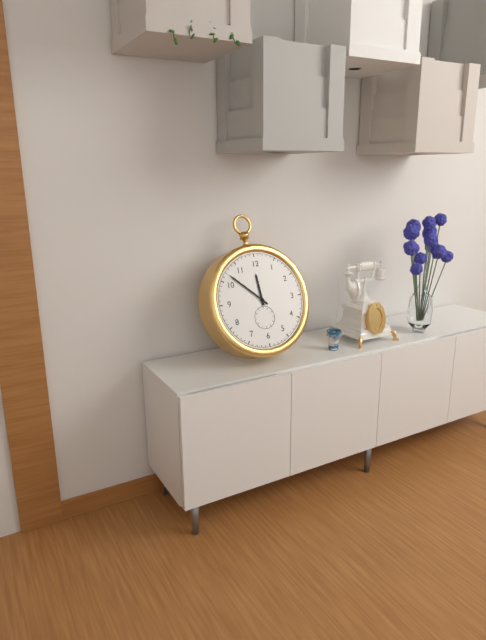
**11:52**
